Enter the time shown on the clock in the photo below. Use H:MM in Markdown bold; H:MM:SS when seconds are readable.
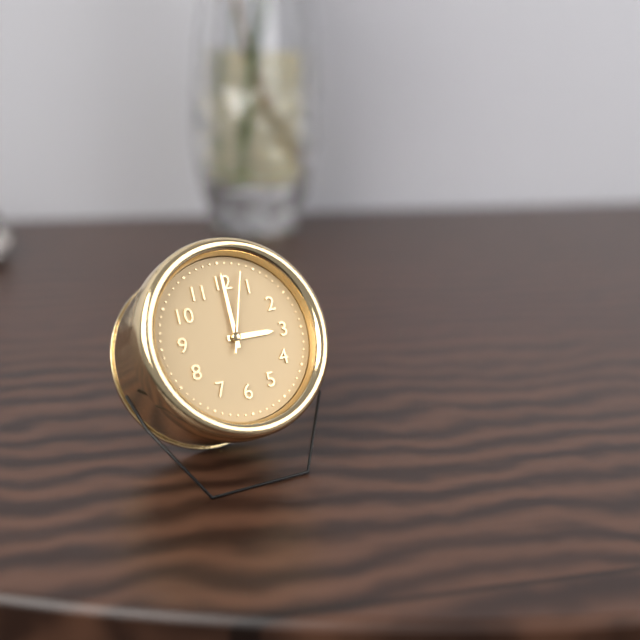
**3:00:03**
